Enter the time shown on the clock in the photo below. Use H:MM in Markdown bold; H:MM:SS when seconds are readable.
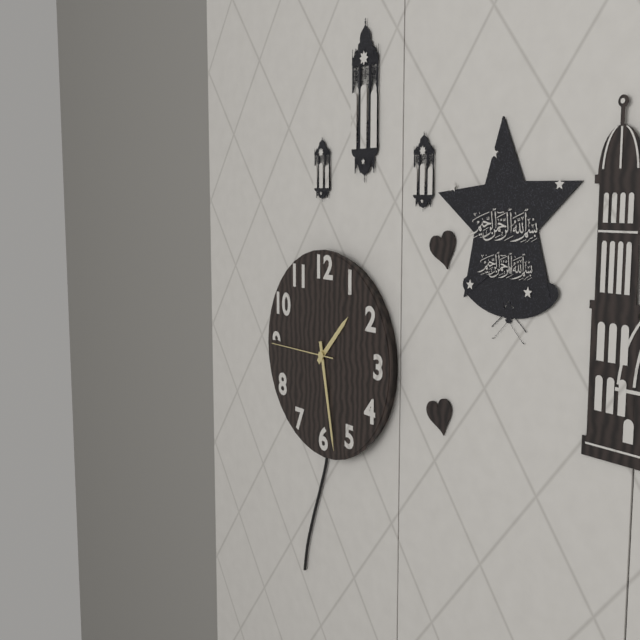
**1:28:45**
